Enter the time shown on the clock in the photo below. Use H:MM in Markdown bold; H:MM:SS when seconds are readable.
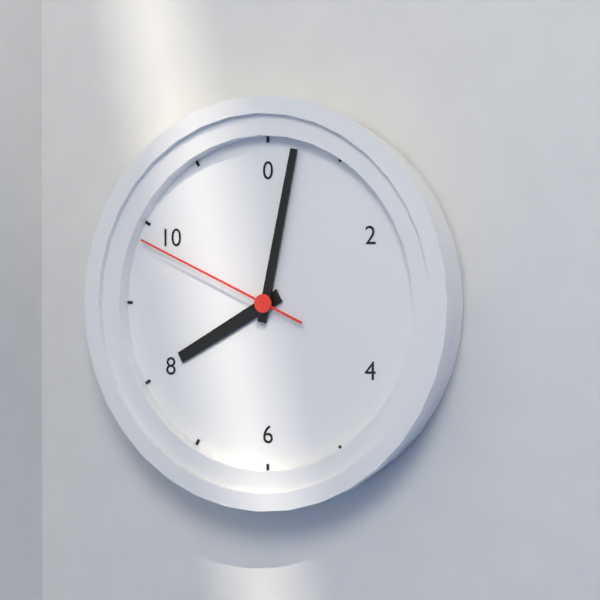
**8:02:49**
